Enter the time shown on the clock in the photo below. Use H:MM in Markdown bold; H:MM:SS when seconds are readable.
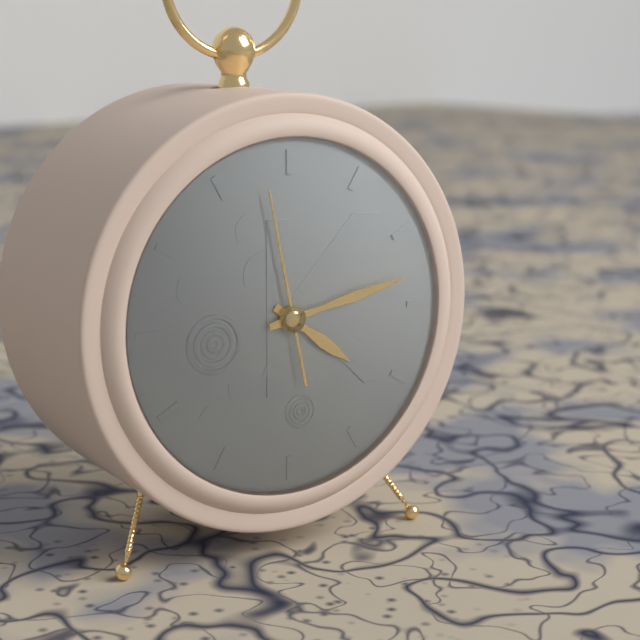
**4:13:58**
